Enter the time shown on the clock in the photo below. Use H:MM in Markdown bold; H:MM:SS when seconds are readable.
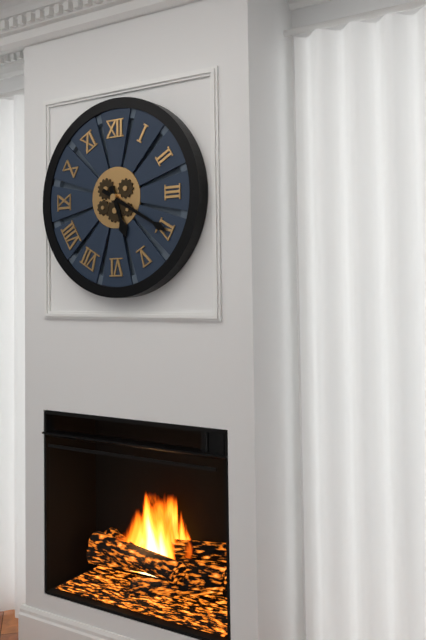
**5:20**
